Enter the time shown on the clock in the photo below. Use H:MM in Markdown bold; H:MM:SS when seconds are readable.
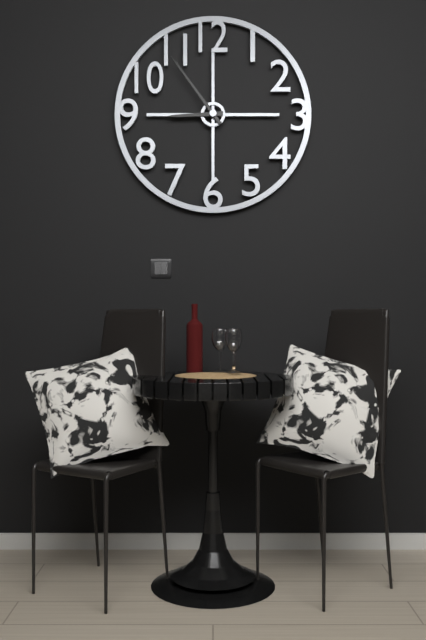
**8:54**
